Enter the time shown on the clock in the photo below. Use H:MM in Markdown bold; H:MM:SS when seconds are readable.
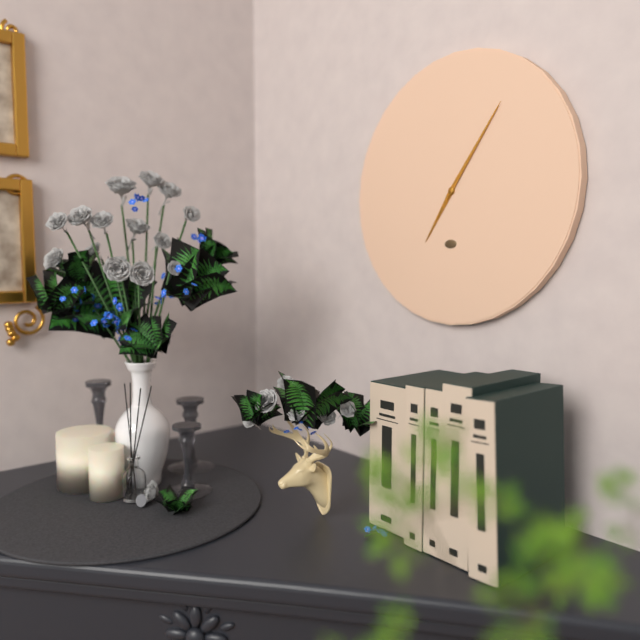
**7:06**
